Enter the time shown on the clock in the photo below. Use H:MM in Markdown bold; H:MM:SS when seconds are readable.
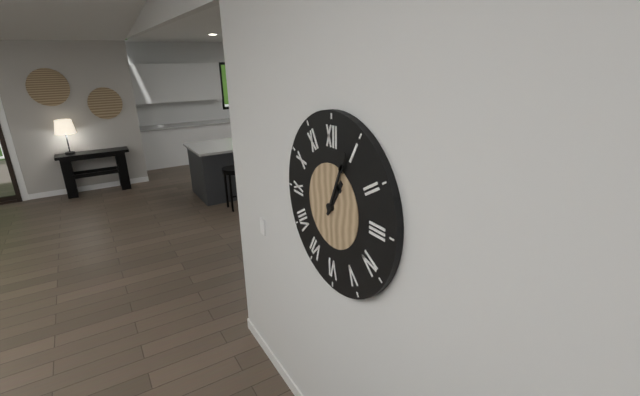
**1:04**
